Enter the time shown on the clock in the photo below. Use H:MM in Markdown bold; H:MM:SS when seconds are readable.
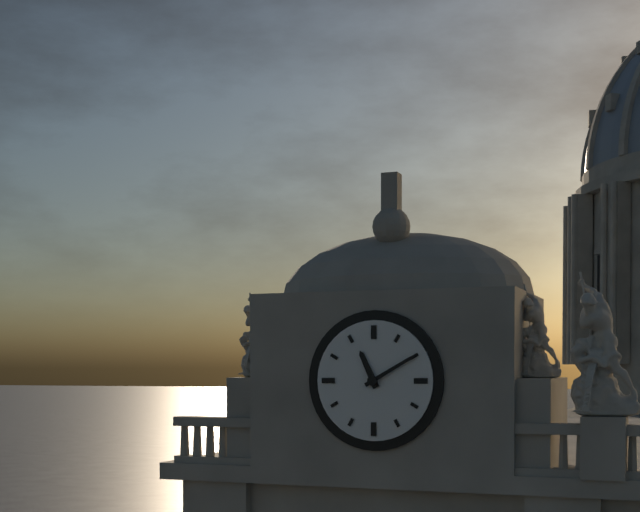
**11:10**
